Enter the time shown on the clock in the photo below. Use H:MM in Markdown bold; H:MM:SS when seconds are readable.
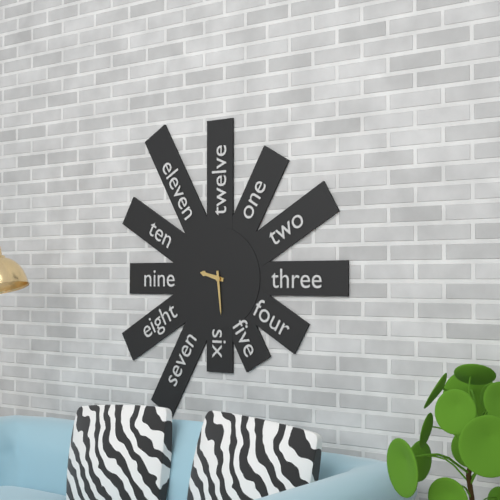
**9:29**
